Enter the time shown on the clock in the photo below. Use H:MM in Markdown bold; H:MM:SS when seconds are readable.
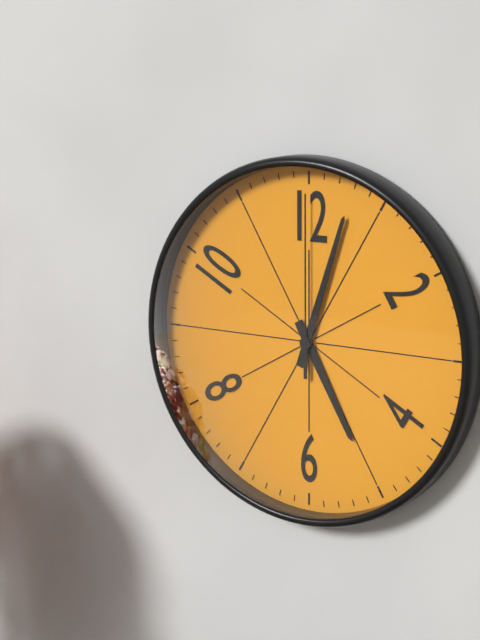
**5:03:00**
